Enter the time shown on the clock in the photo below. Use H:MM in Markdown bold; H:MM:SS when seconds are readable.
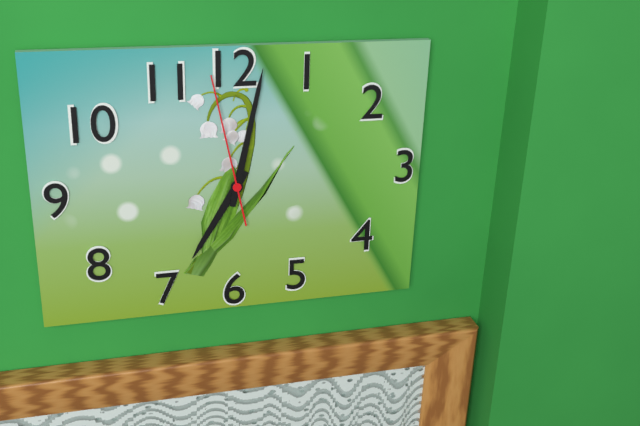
**7:02:58**
